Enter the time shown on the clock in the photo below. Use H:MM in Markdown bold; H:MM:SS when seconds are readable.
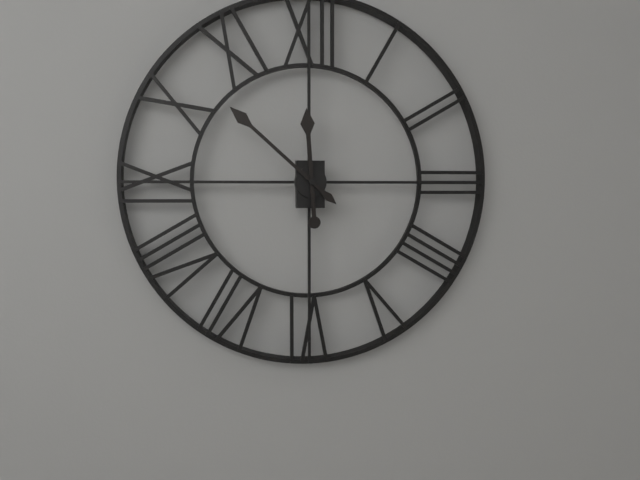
**11:52**
